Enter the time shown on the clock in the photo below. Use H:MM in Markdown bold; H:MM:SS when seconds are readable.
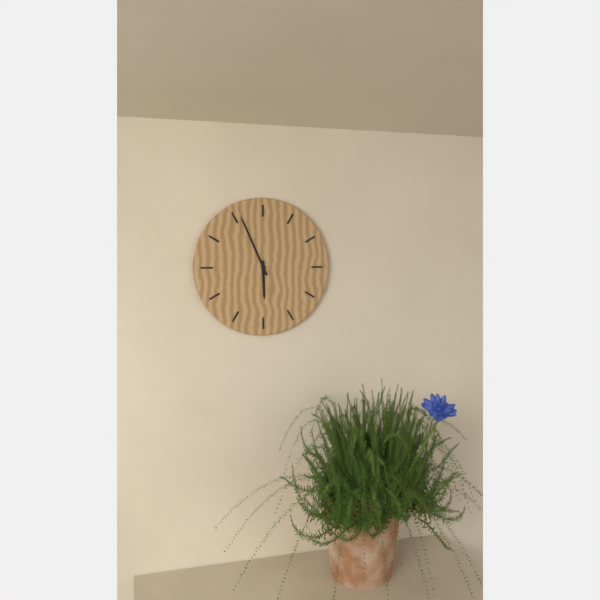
**5:56**
